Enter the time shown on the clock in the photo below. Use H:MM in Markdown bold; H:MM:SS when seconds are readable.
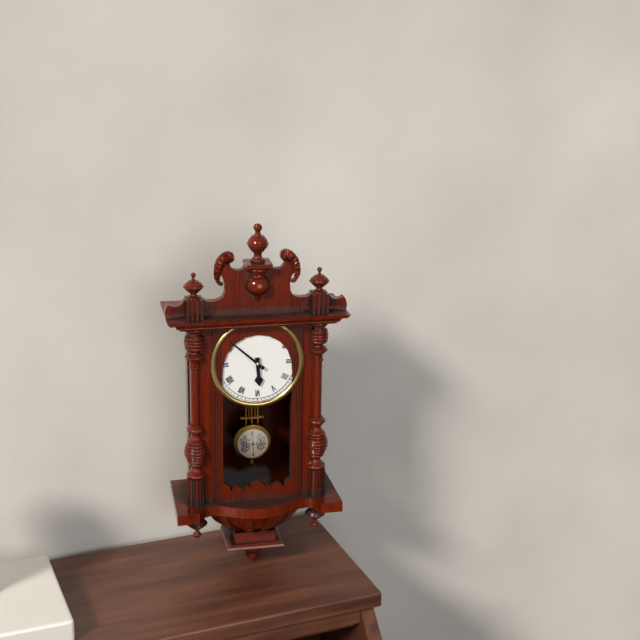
**5:52**
